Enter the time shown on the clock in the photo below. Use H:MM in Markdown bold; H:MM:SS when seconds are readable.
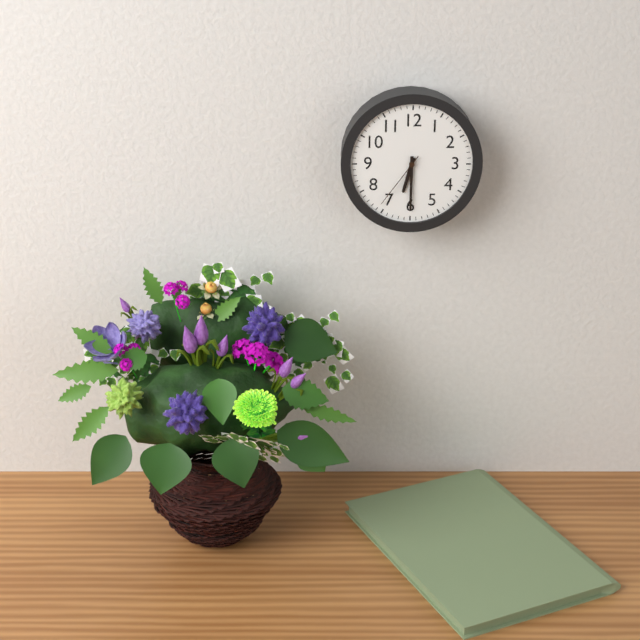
**6:30:36**
